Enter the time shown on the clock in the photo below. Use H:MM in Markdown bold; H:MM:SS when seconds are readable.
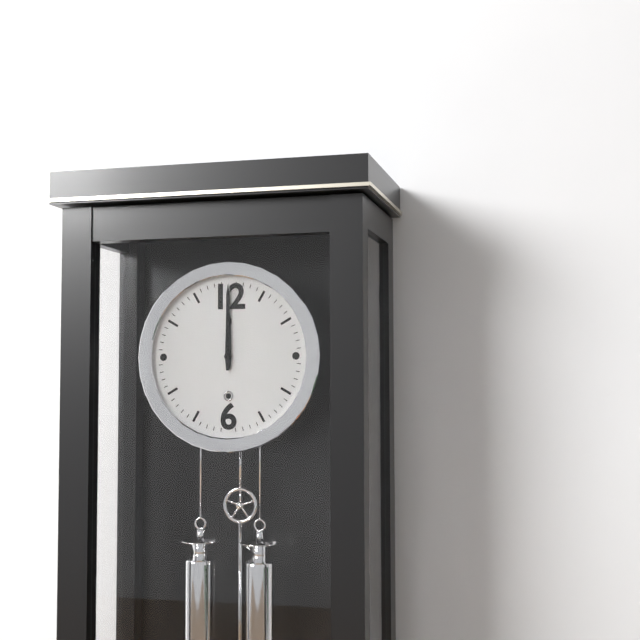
**12:00**
